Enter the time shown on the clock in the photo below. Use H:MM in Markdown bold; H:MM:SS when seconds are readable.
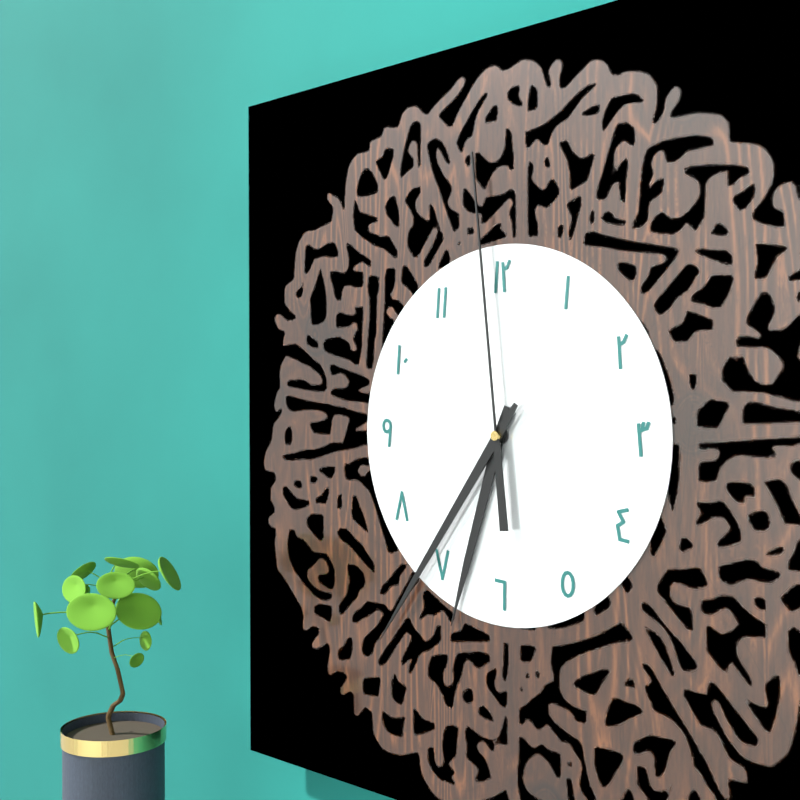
**6:36:59**
